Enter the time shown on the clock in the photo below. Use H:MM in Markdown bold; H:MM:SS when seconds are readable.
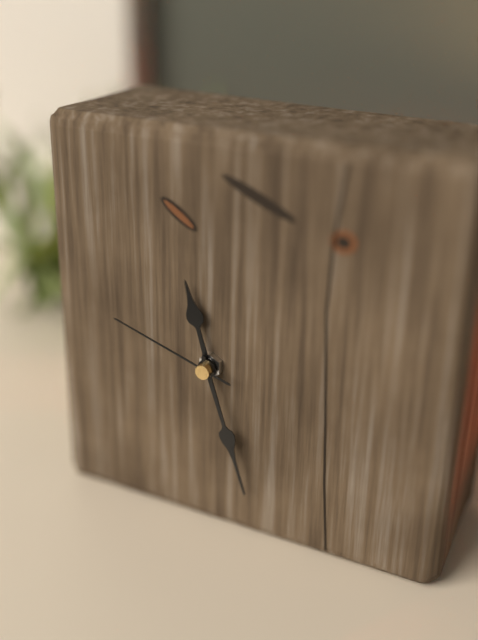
**11:27:48**
